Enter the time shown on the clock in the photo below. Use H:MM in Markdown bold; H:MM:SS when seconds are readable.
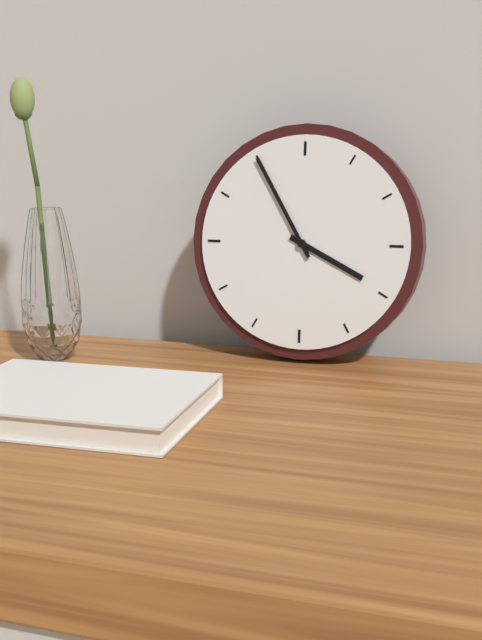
**3:55**
